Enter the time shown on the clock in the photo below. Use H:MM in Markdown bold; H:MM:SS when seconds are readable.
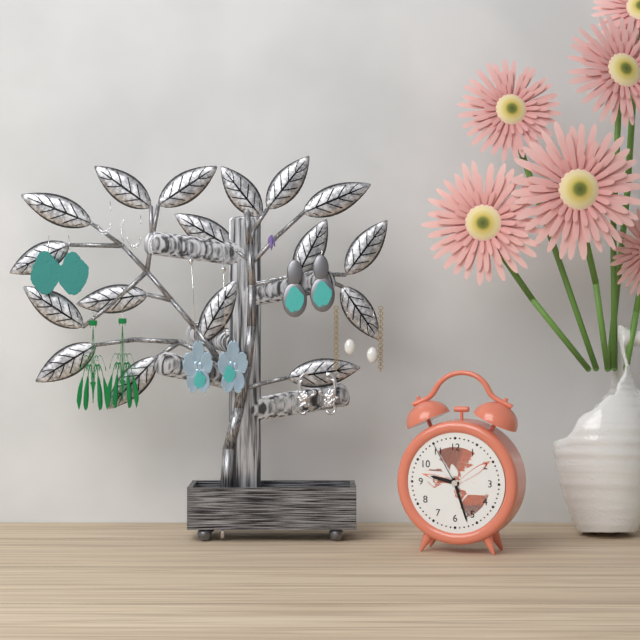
**9:27:55**
